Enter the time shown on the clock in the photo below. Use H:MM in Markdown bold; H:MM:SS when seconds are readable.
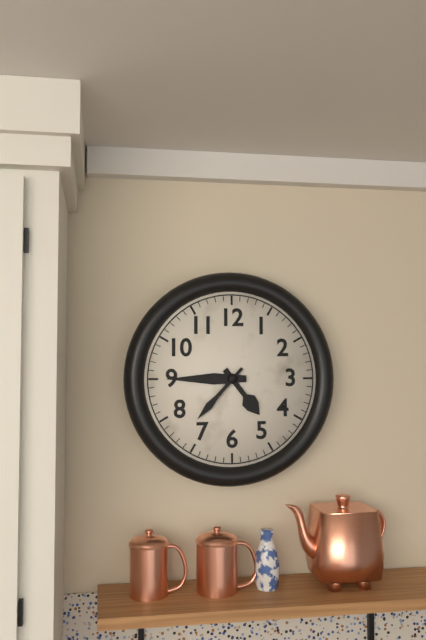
**4:45:37**
